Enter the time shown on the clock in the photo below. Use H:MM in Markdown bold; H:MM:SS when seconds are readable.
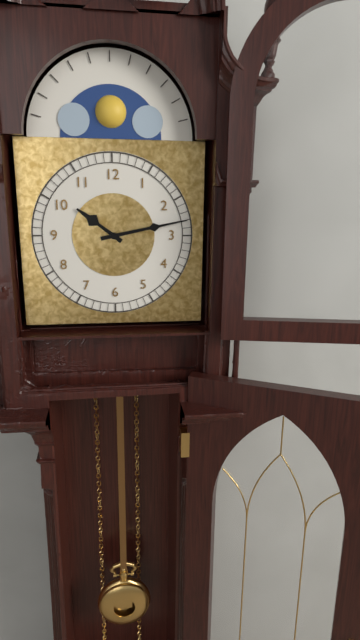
**10:13**
